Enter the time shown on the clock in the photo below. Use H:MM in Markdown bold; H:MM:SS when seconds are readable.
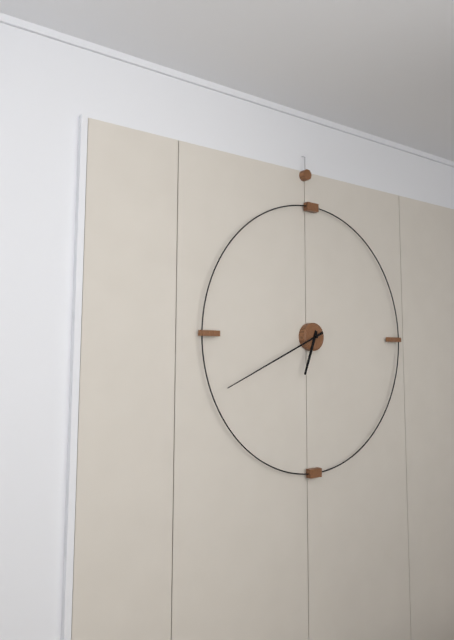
**6:41**
